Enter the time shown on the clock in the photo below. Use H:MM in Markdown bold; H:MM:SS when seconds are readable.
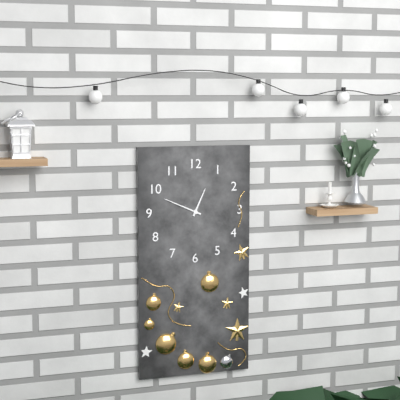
**12:49**
